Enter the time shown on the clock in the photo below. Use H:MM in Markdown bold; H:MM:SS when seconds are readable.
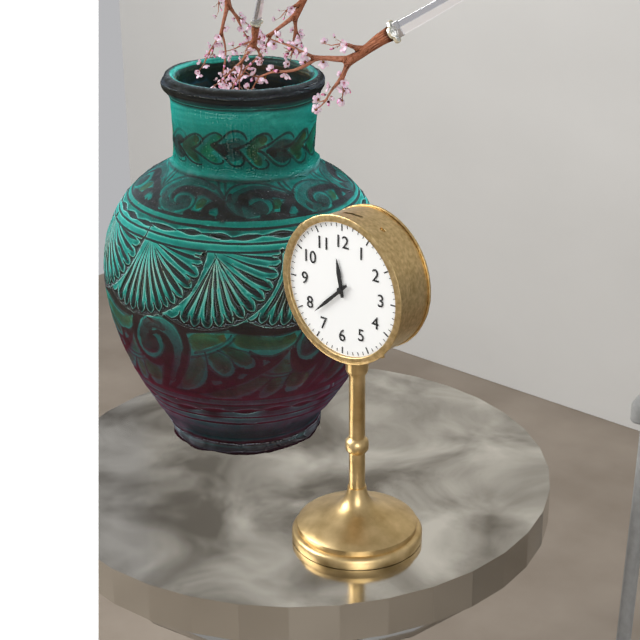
**11:38**
